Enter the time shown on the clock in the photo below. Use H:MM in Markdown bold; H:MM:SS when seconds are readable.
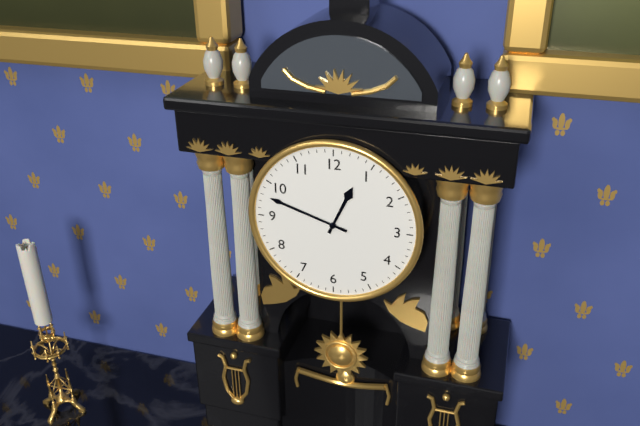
**12:48**
